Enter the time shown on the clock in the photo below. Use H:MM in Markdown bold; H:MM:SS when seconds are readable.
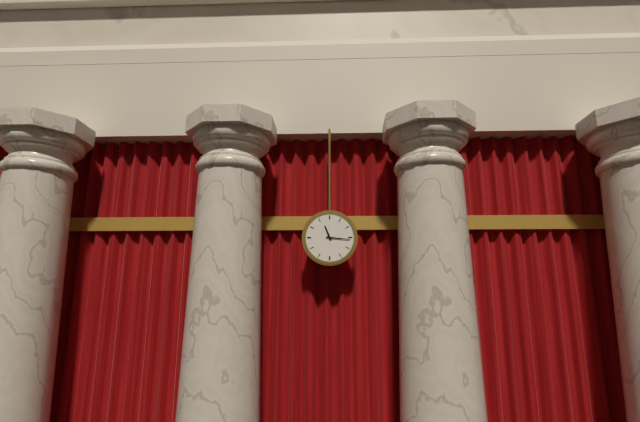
**11:16**
